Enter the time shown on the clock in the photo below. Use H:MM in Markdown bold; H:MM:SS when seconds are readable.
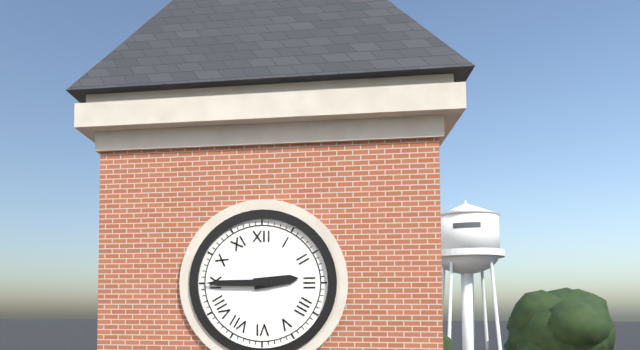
**2:45**
